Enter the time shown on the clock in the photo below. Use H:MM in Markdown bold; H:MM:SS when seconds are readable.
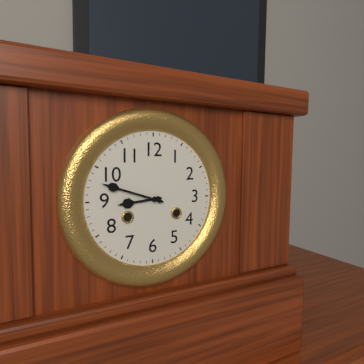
**8:48**
